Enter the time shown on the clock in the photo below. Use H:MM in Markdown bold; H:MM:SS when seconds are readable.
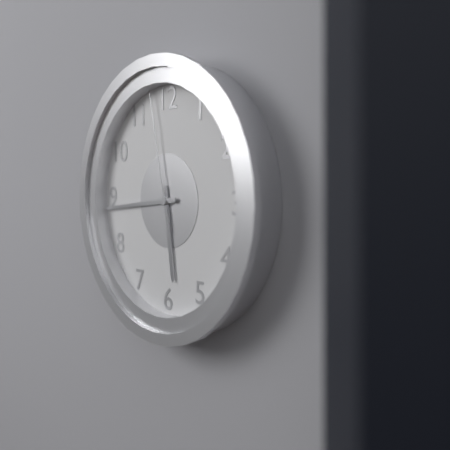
**5:44:58**
